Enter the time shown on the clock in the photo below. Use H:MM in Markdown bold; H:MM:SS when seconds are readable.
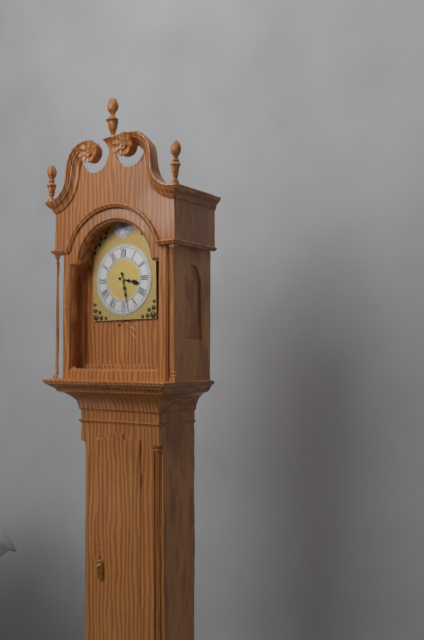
**3:28**
